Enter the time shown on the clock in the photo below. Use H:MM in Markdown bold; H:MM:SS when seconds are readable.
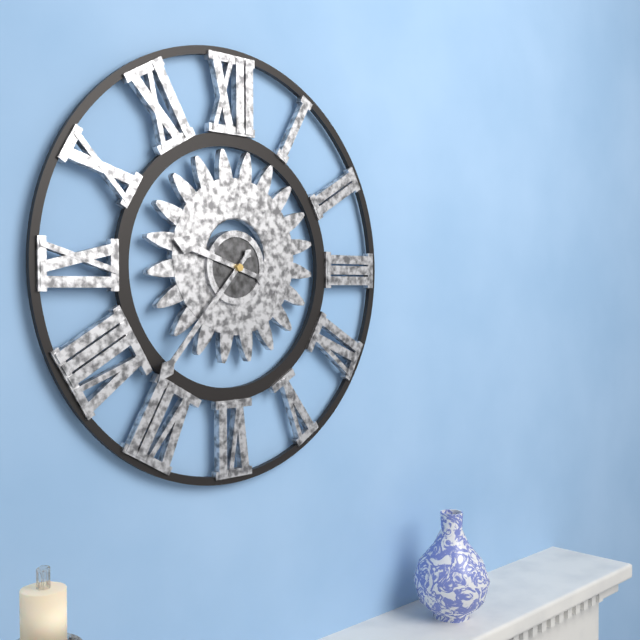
**9:37**
